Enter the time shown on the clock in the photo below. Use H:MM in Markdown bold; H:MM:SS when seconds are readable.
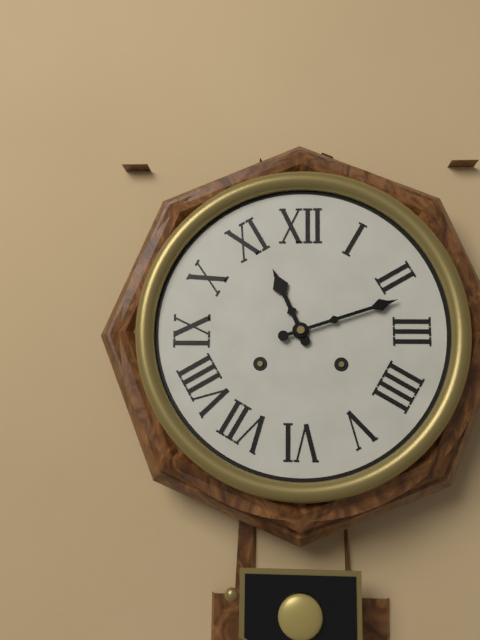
**11:12**
